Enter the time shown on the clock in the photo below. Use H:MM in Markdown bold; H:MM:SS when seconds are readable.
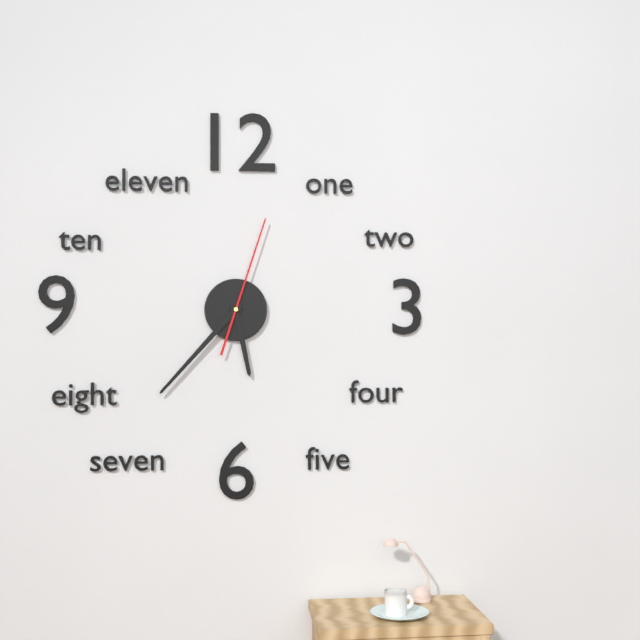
**5:37:03**
